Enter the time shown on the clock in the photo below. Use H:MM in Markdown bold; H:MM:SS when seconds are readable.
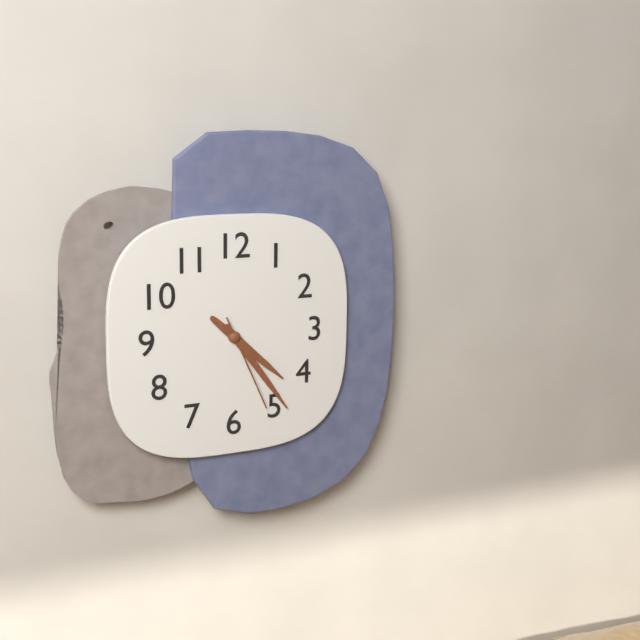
**4:24:26**
